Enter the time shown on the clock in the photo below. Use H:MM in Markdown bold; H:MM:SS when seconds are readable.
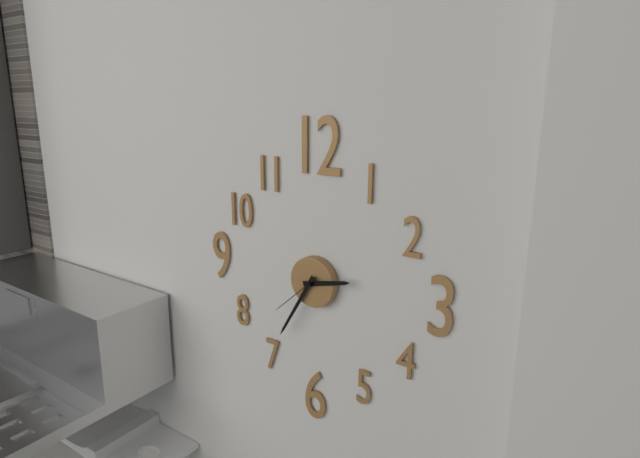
**2:35:38**
